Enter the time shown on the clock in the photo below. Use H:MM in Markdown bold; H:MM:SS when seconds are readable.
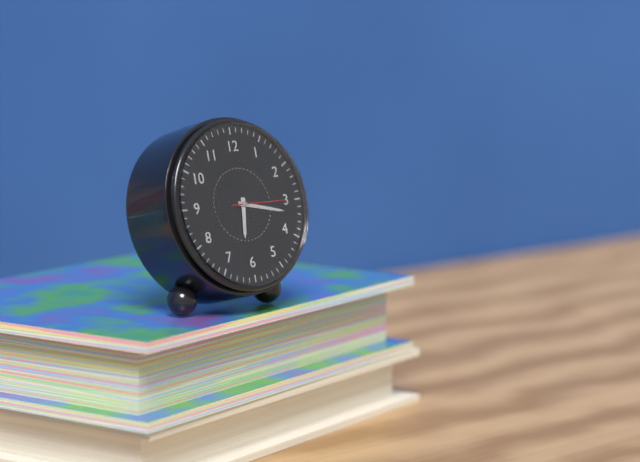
**6:17:15**
